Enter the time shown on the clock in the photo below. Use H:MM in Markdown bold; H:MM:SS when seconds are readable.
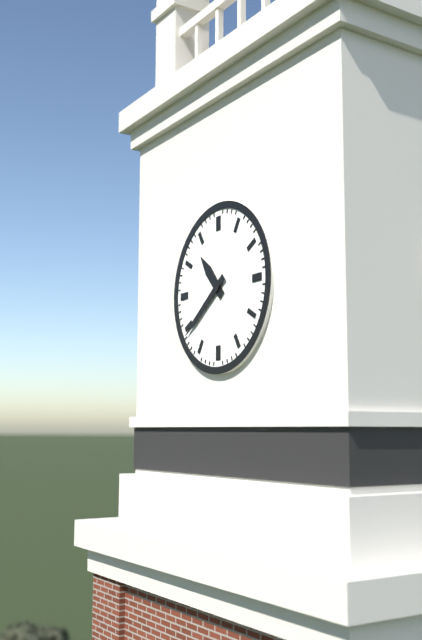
**10:39**
